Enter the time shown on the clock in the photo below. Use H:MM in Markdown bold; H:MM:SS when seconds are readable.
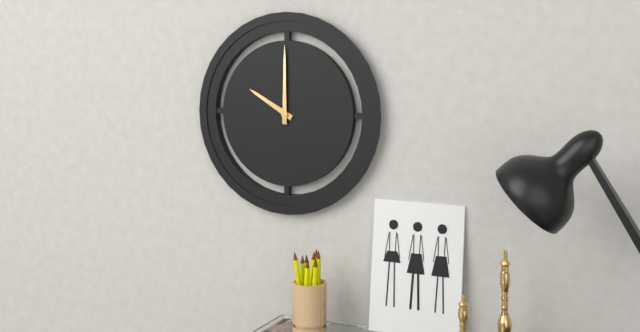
**10:00**
